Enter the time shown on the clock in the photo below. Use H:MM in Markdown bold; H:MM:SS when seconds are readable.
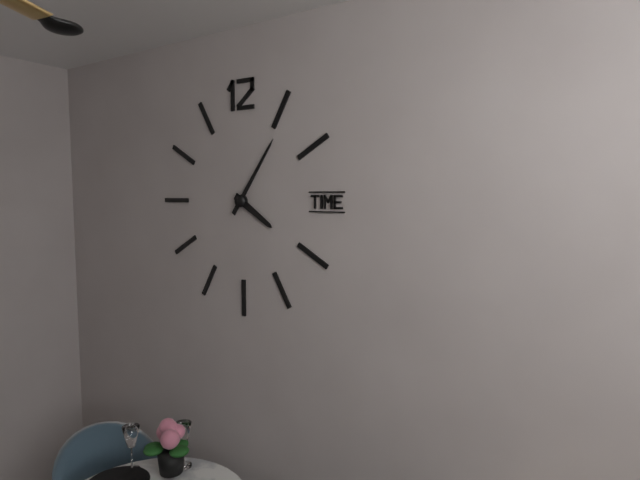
**4:06**
